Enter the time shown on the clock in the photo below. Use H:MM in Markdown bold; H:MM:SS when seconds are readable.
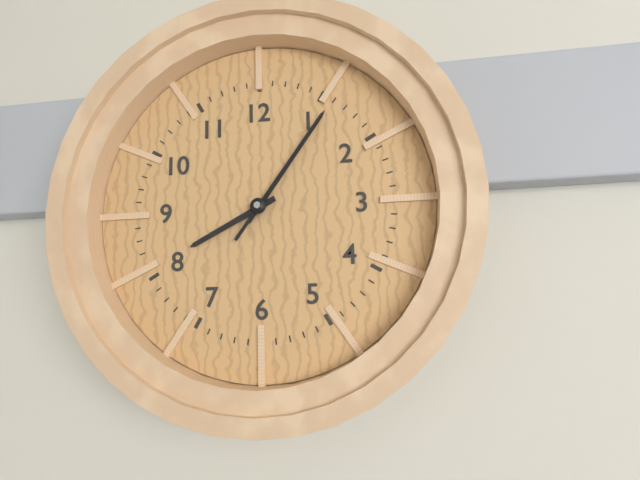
**8:06:06**
